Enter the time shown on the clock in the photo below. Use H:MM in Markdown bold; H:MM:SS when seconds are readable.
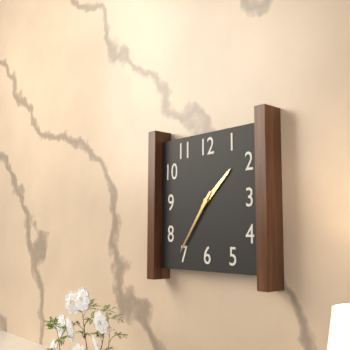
**1:36**
